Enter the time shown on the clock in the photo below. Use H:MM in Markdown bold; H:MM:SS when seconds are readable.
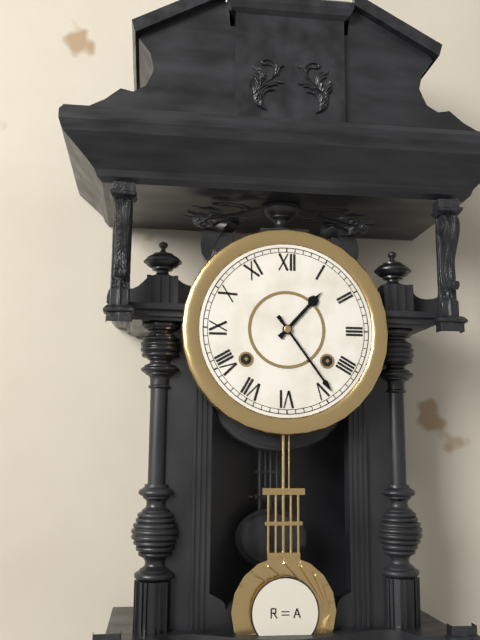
**1:24**
